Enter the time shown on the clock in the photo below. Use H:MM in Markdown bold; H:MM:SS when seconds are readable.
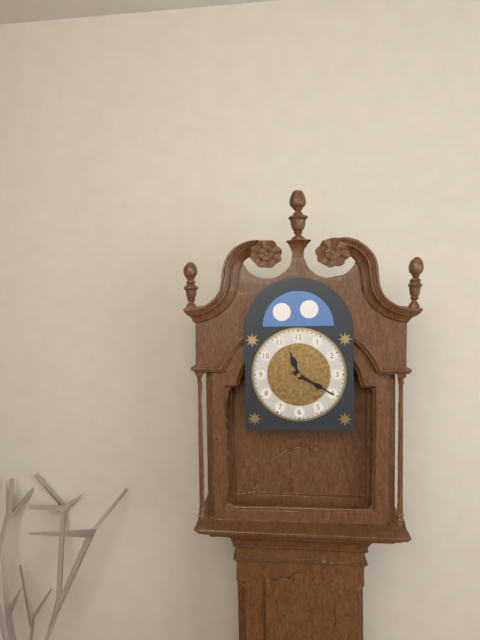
**11:20**
